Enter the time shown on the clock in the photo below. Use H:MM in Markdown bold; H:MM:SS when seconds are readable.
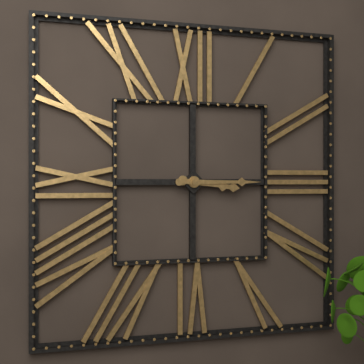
**3:15**
